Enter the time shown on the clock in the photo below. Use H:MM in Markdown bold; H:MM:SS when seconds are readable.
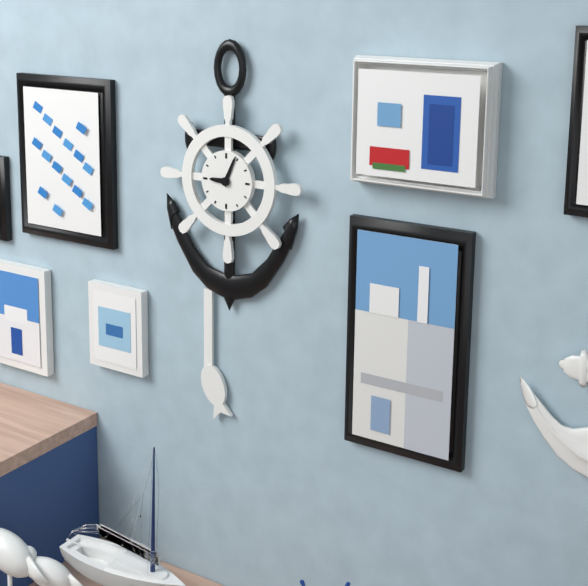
**9:04**
